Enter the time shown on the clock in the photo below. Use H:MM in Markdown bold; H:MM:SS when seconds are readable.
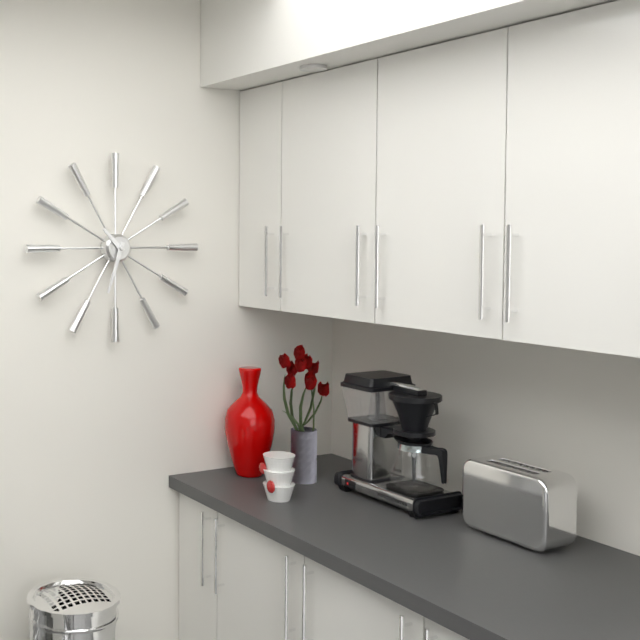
**10:33**
